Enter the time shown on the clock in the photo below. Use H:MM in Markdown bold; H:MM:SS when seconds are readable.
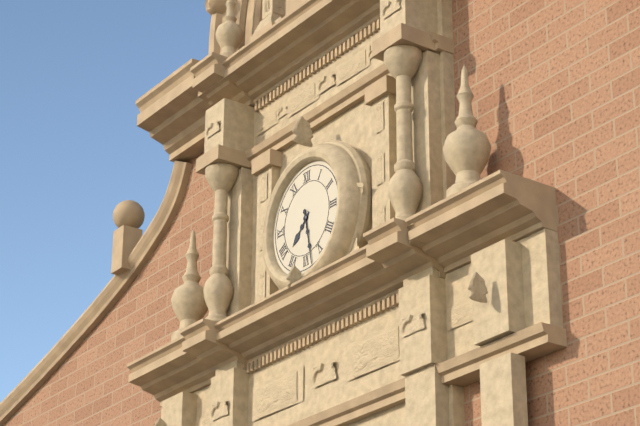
**7:28**
